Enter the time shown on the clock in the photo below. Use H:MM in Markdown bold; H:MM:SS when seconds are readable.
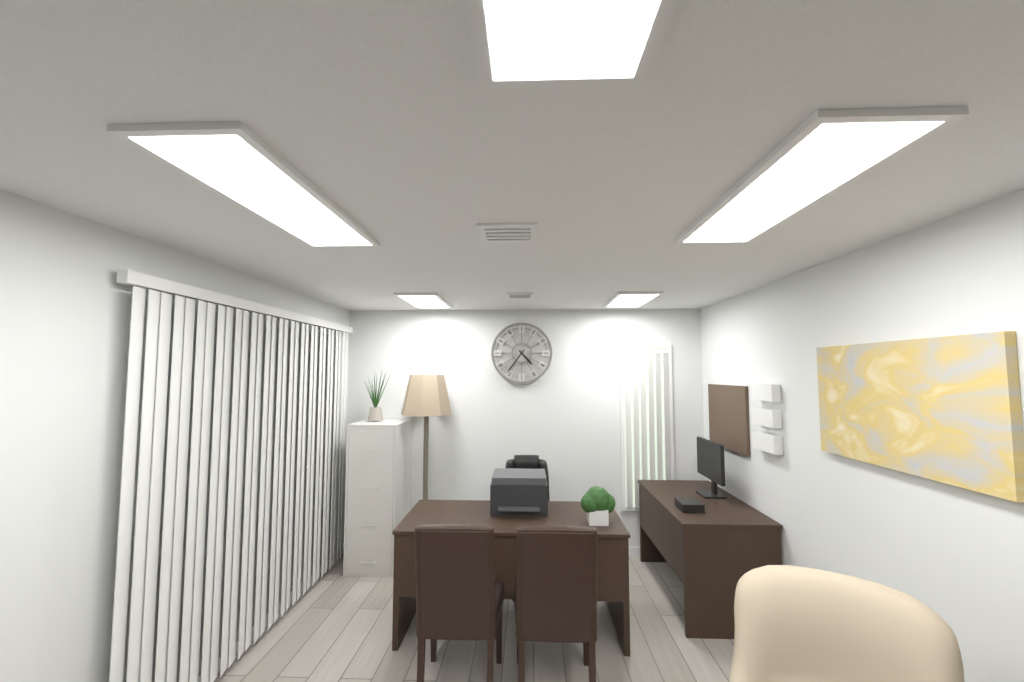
**4:36**
